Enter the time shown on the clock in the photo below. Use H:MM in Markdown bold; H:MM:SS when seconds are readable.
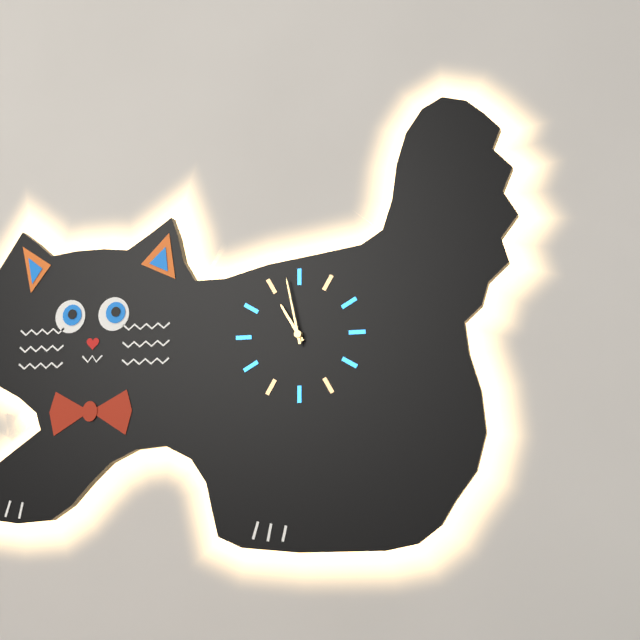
**10:58**
